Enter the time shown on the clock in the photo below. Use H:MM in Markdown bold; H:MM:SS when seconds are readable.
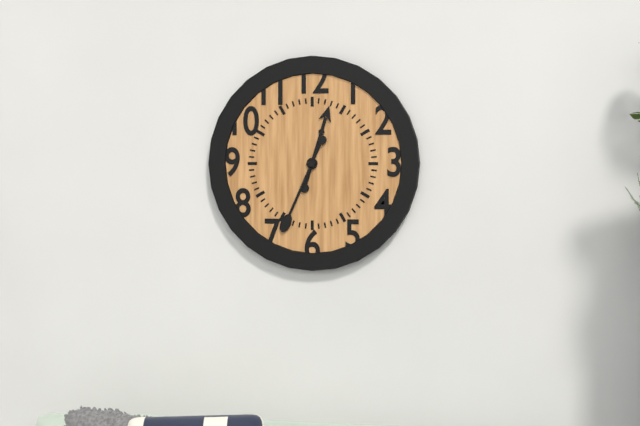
**12:34**
